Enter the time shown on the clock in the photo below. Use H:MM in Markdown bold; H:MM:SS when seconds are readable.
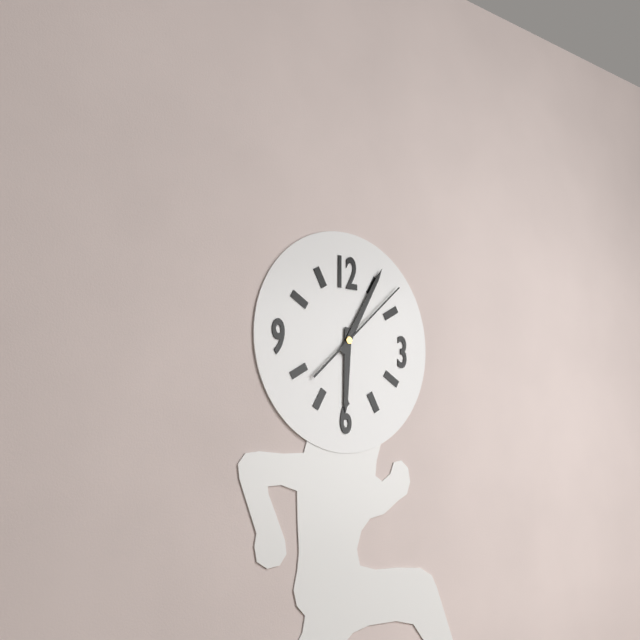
**6:05:08**
